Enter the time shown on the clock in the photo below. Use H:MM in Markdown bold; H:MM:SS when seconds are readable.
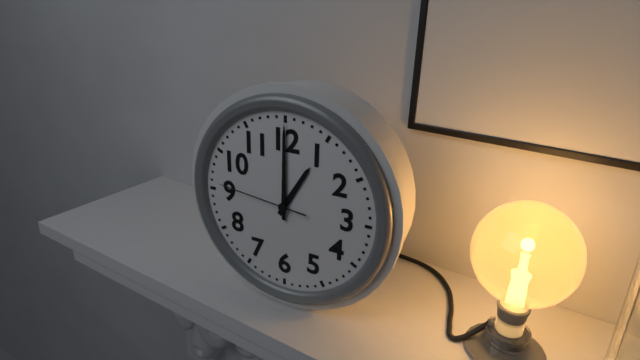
**1:00:46**
